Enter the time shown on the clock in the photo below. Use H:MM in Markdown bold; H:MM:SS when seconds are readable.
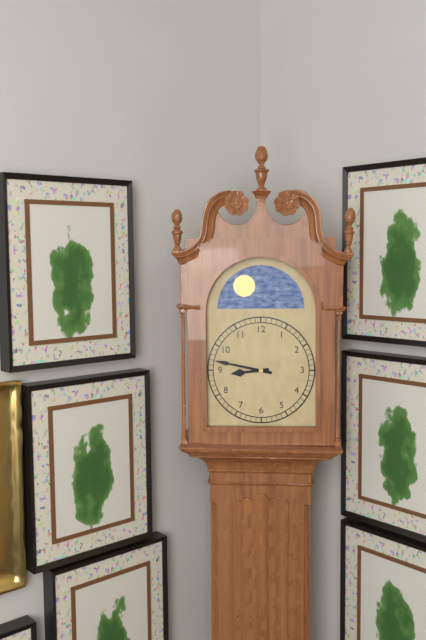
**8:47**
